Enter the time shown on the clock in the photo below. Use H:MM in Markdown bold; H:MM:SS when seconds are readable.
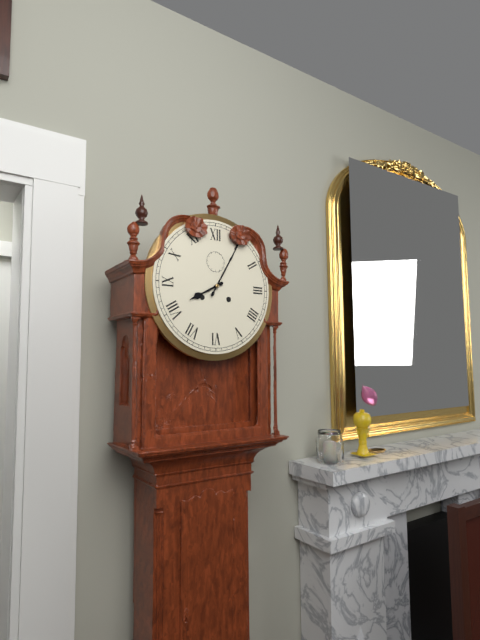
**8:05**
